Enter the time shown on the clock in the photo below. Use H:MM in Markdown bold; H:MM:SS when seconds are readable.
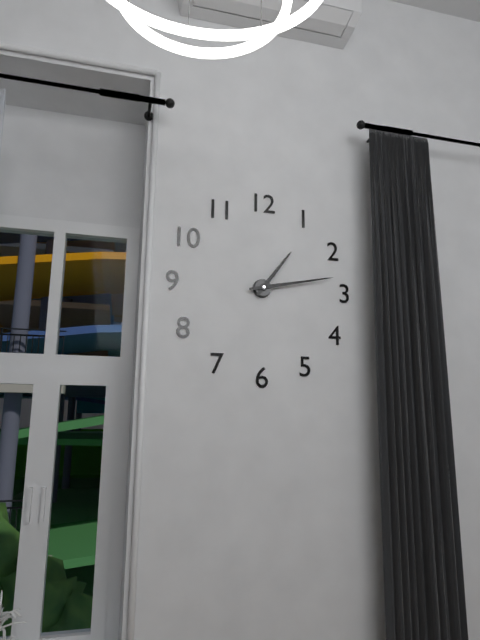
**1:13**
